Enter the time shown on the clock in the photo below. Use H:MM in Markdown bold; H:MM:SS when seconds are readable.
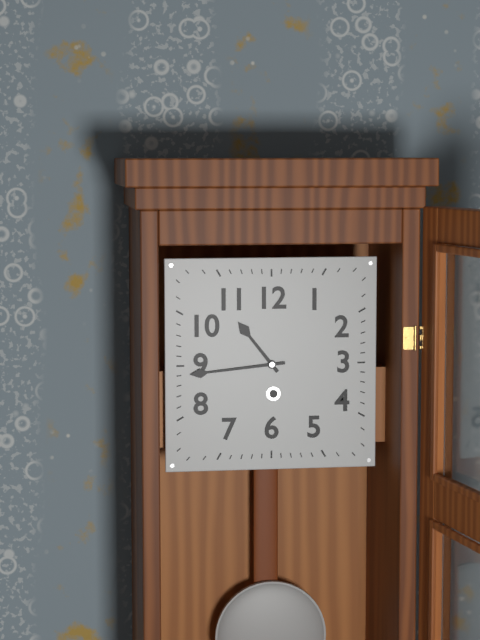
**10:44**
